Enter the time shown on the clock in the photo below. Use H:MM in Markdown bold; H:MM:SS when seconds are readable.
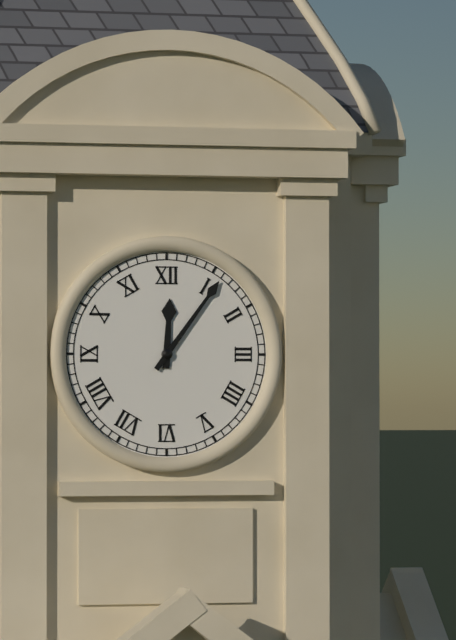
**12:06**
